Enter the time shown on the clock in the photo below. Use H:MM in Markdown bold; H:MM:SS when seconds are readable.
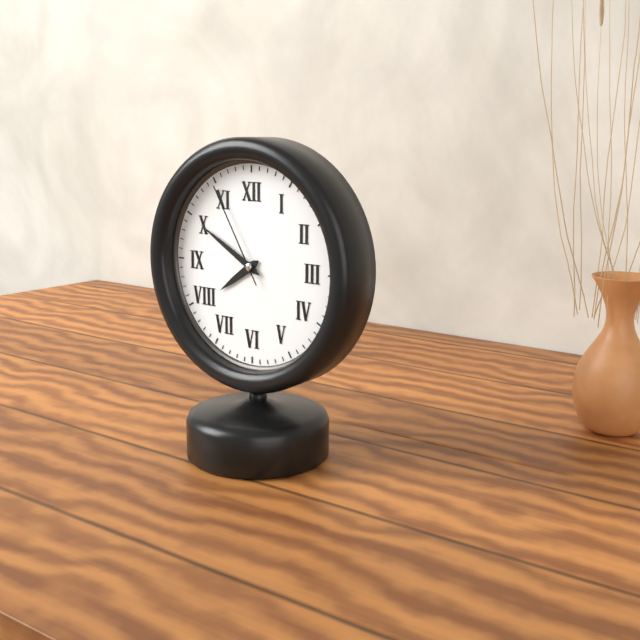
**7:50:55**
